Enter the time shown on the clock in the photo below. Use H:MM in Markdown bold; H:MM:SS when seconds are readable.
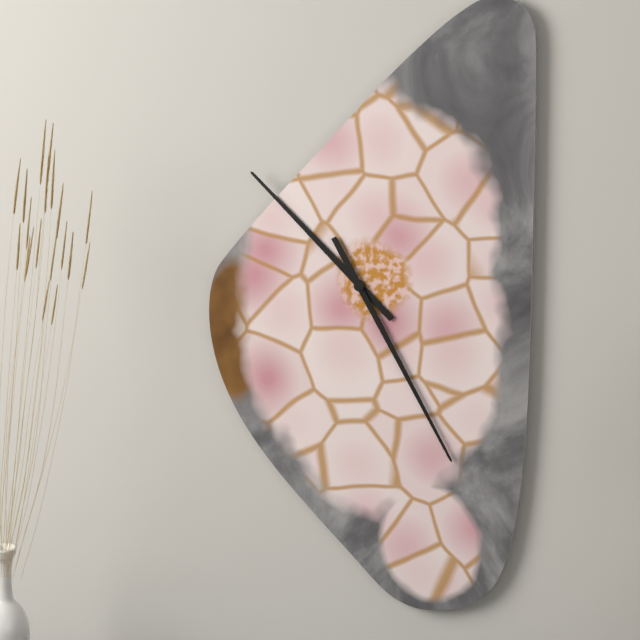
**10:25**
